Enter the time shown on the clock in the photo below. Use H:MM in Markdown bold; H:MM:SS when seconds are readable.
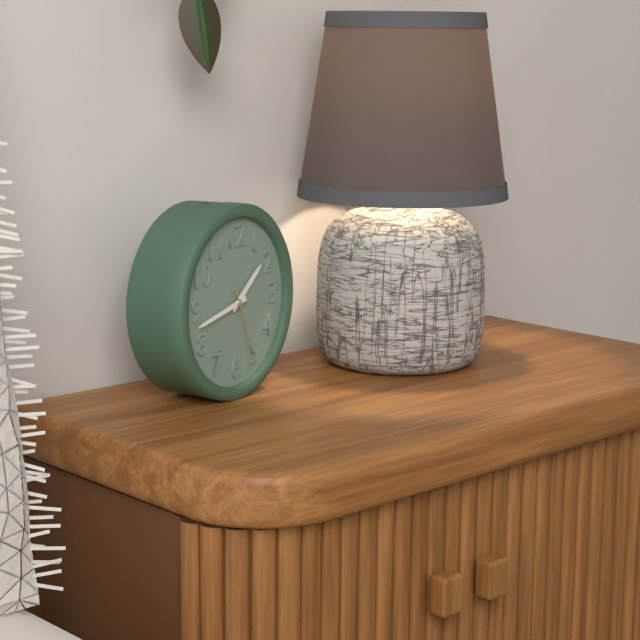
**1:43:26**
